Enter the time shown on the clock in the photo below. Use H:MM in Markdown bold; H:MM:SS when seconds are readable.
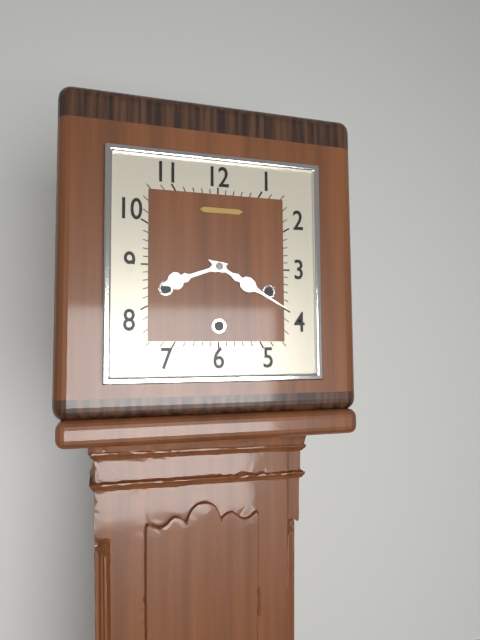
**8:20**
